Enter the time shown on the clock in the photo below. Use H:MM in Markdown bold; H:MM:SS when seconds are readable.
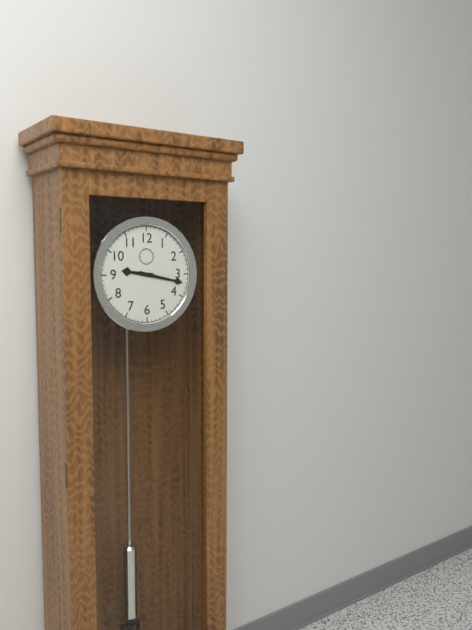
**9:17**
